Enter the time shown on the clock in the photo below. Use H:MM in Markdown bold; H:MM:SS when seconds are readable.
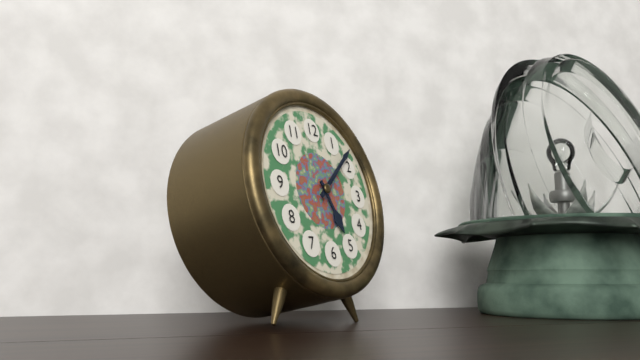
**5:08**
